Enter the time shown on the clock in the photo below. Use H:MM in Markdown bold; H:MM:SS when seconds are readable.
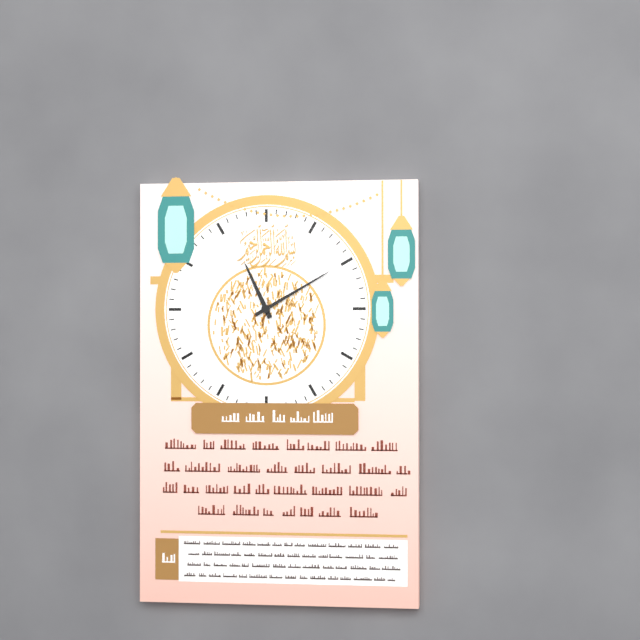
**11:10**
